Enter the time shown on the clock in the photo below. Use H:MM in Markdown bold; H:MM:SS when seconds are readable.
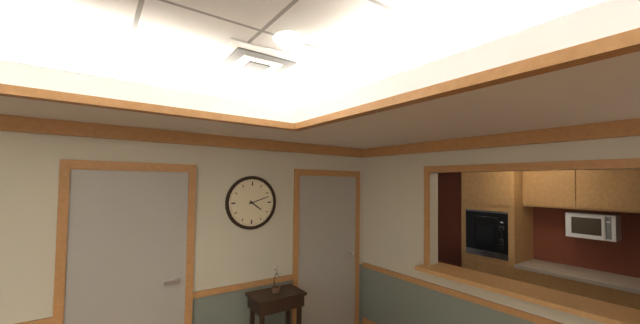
**4:12**
